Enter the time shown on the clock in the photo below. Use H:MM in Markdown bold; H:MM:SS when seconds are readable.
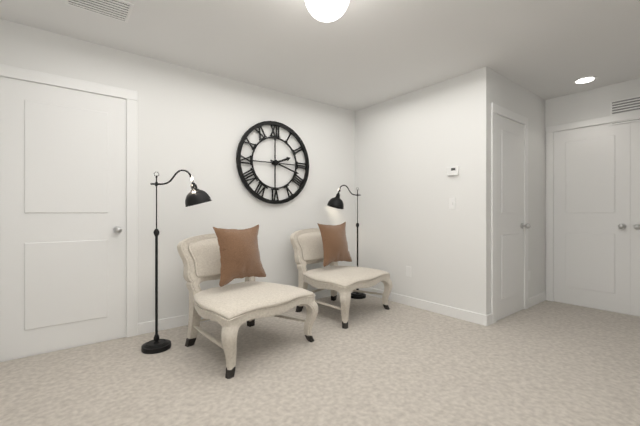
**2:18**
